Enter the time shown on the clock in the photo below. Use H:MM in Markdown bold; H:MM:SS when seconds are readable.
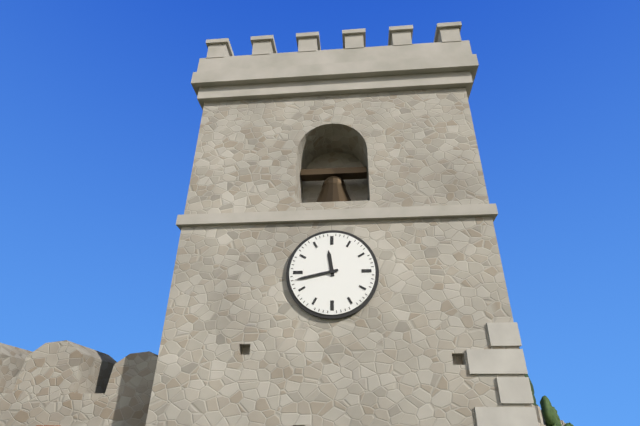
**11:43**
